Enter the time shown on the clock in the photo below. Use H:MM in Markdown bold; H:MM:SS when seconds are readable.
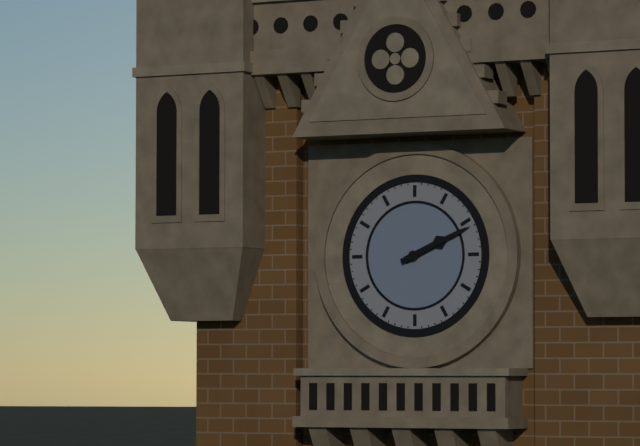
**2:11**
